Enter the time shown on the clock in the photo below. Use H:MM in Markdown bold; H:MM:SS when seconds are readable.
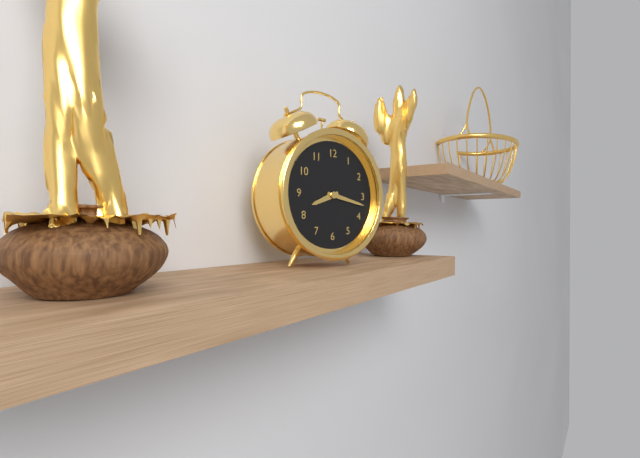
**8:17**
